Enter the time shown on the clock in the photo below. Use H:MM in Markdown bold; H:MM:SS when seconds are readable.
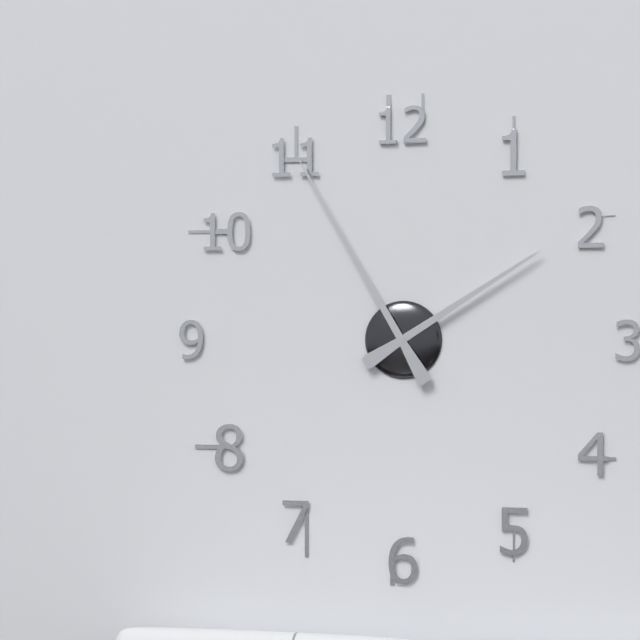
**1:55**
